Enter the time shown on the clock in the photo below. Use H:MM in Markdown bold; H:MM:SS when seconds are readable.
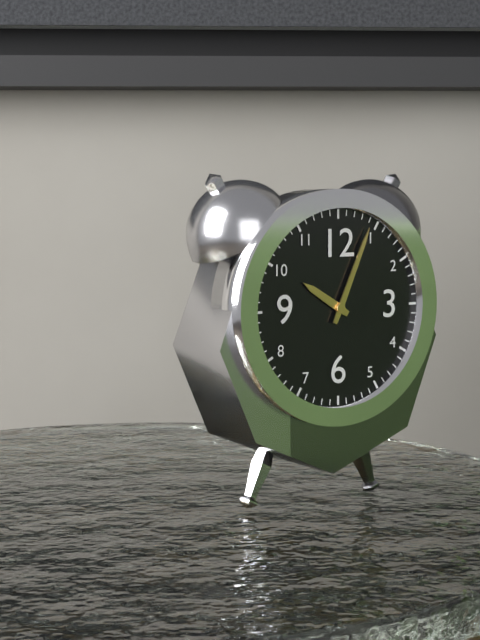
**10:04**
